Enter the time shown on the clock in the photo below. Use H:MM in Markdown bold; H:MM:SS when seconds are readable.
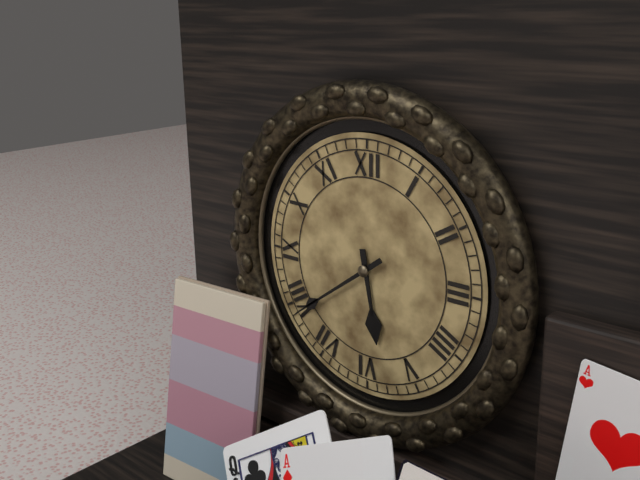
**5:39**
